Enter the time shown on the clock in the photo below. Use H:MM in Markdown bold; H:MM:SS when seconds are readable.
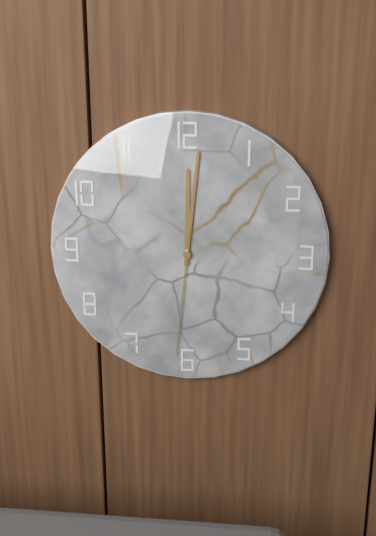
**12:01:31**
